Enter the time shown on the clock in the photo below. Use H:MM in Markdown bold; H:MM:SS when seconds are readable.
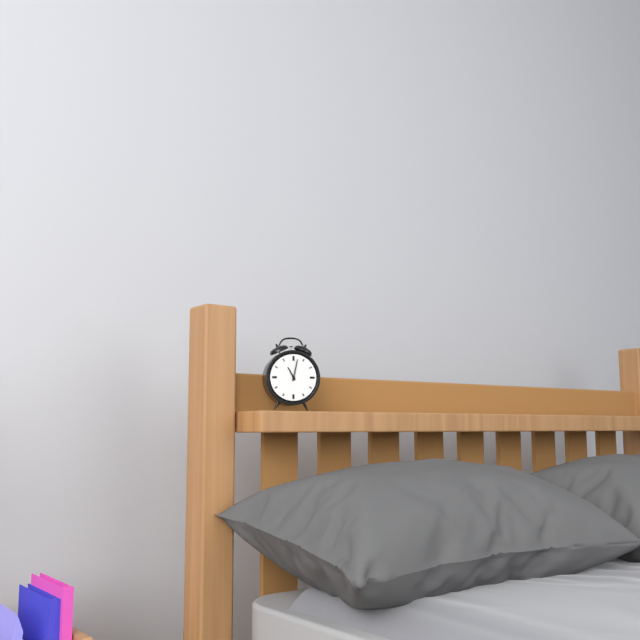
**11:02**
